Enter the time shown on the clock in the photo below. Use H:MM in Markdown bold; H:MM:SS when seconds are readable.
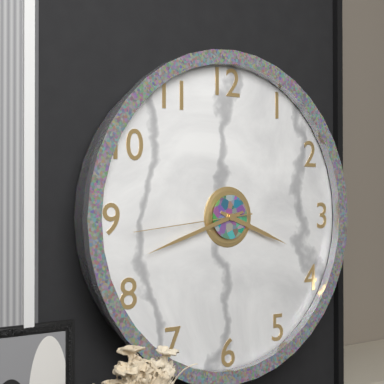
**3:42:44**
